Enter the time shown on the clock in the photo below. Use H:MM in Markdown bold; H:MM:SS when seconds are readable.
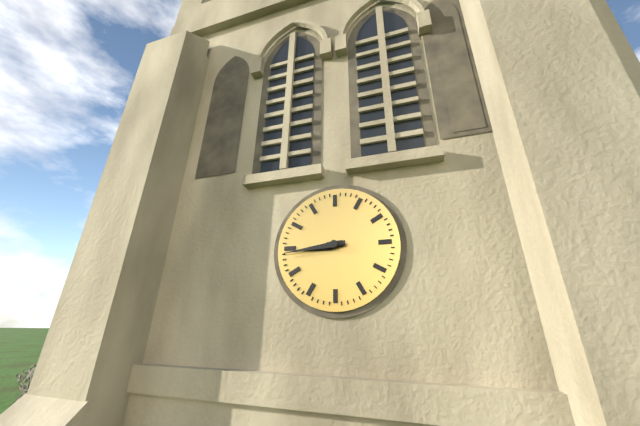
**8:44**
